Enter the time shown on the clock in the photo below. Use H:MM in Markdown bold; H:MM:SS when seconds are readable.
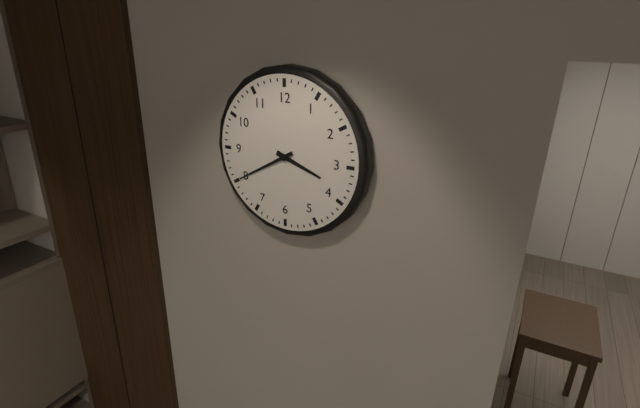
**3:40**
